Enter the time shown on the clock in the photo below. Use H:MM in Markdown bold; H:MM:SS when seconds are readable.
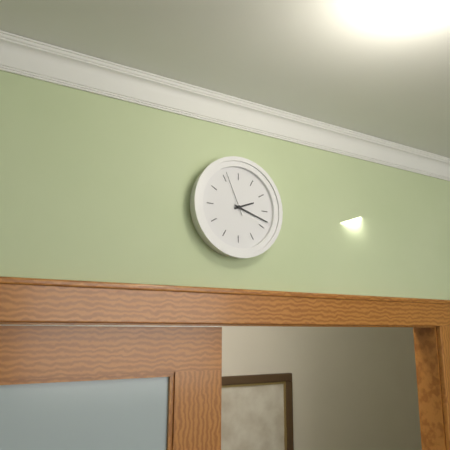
**2:18**
